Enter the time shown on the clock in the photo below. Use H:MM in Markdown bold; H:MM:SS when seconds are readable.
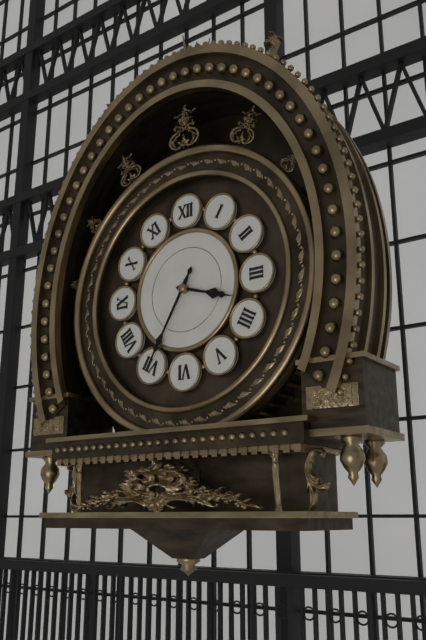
**3:35**
